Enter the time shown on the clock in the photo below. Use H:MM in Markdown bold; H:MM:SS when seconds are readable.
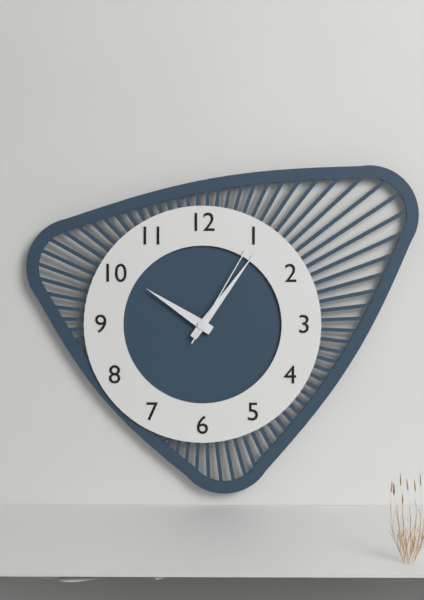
**10:06:05**
